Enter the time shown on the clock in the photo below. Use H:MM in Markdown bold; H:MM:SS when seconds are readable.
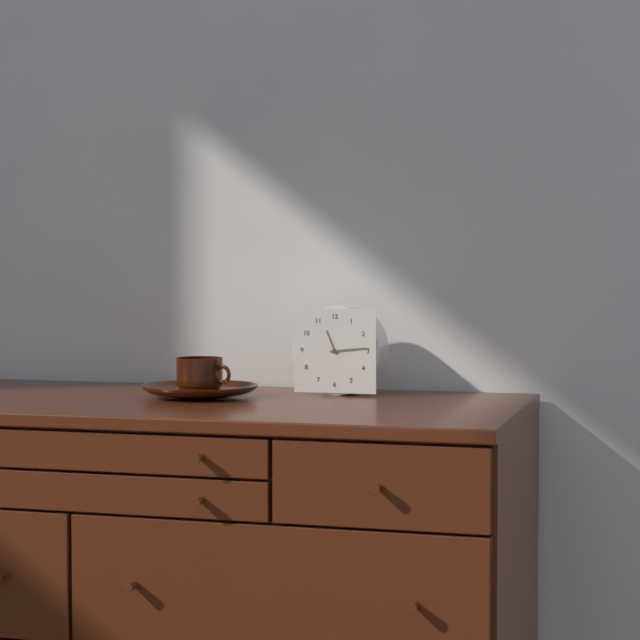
**11:14**
